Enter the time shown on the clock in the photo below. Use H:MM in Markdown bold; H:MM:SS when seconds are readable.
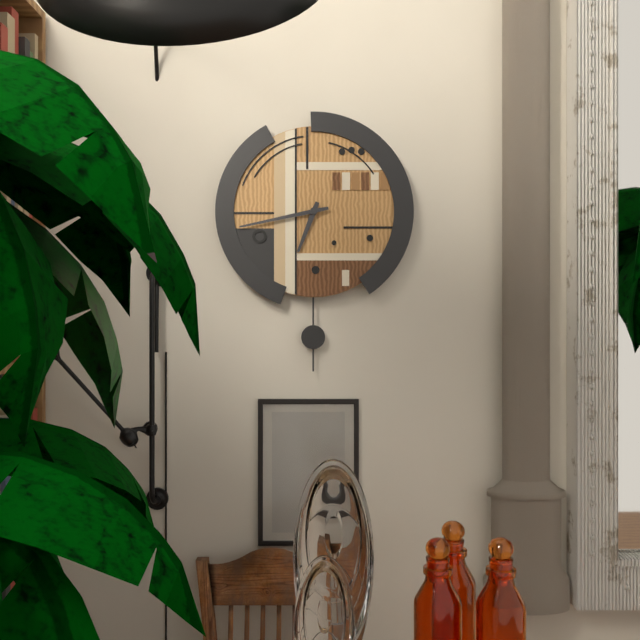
**6:43**
